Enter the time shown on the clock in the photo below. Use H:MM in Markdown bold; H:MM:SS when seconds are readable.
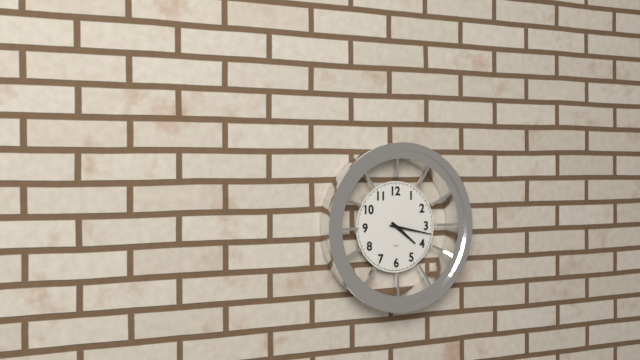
**4:17**
